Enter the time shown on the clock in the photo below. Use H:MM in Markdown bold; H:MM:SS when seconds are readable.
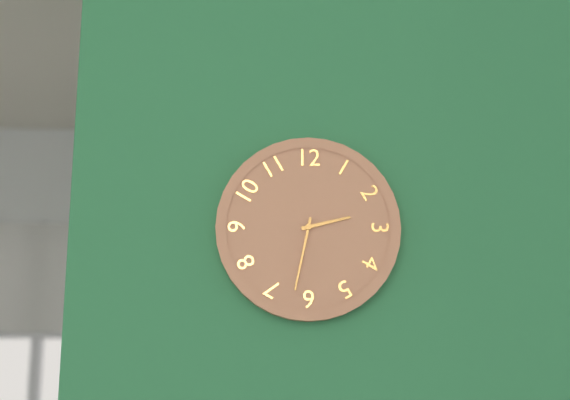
**2:32**
